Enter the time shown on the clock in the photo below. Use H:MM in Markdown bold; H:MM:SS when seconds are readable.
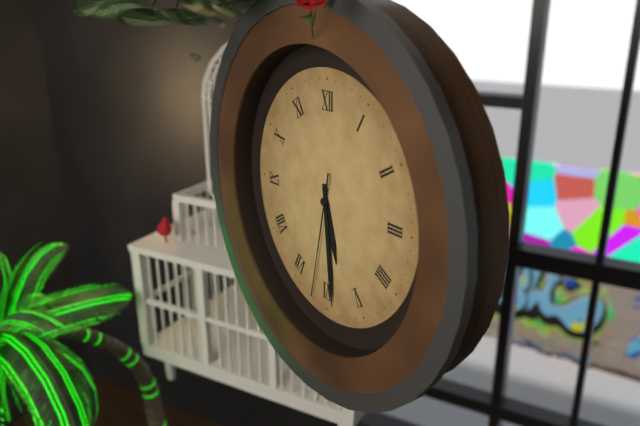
**5:29:32**
